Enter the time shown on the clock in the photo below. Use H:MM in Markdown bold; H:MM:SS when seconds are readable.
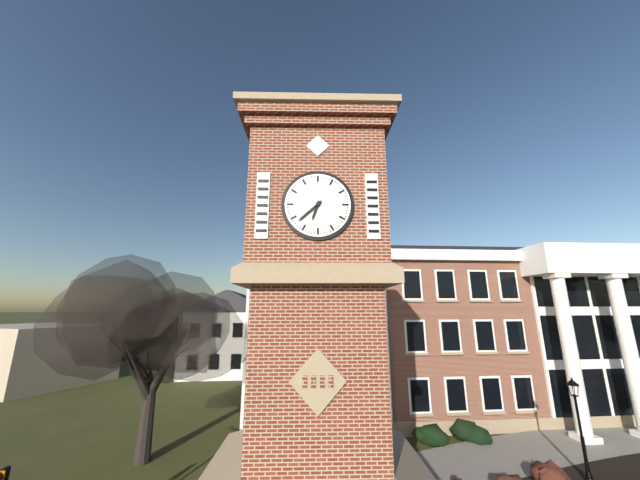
**6:38**
